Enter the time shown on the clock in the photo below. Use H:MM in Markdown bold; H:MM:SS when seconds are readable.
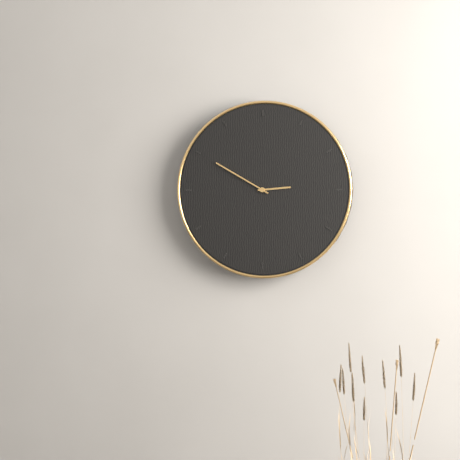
**2:50**
